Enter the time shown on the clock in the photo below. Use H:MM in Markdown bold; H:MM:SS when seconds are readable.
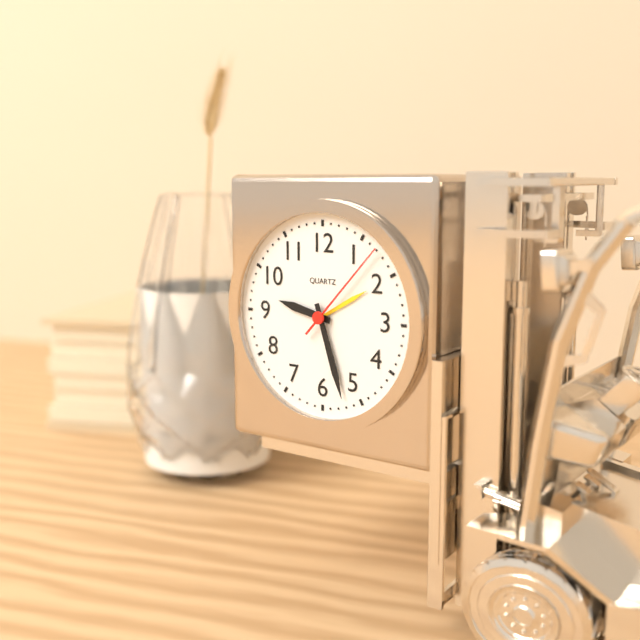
**9:27:07**
